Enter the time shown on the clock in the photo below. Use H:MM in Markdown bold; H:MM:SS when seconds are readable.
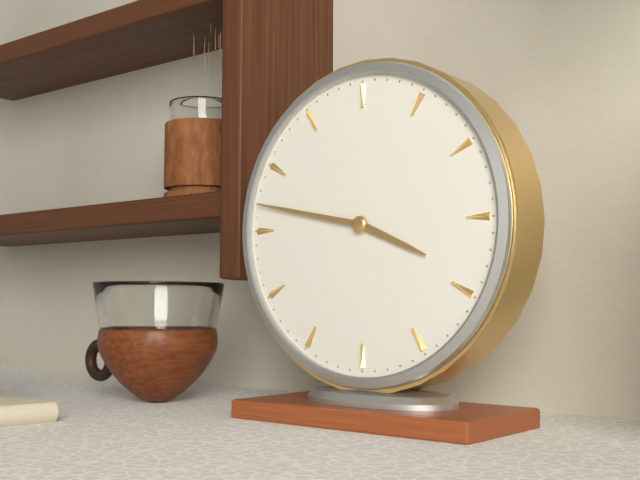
**3:47**
